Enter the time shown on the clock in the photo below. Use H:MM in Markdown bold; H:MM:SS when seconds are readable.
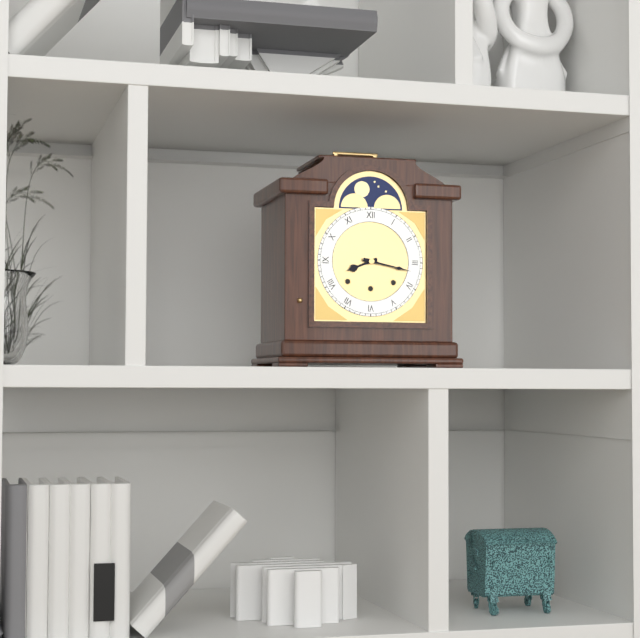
**8:17**
